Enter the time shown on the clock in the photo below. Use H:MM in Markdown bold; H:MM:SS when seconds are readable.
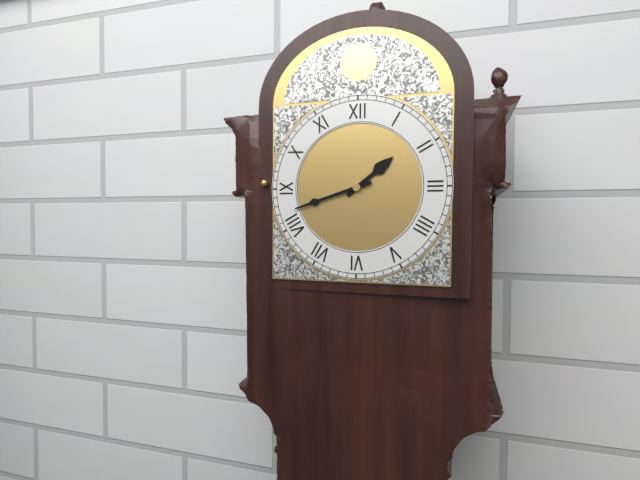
**1:42**
